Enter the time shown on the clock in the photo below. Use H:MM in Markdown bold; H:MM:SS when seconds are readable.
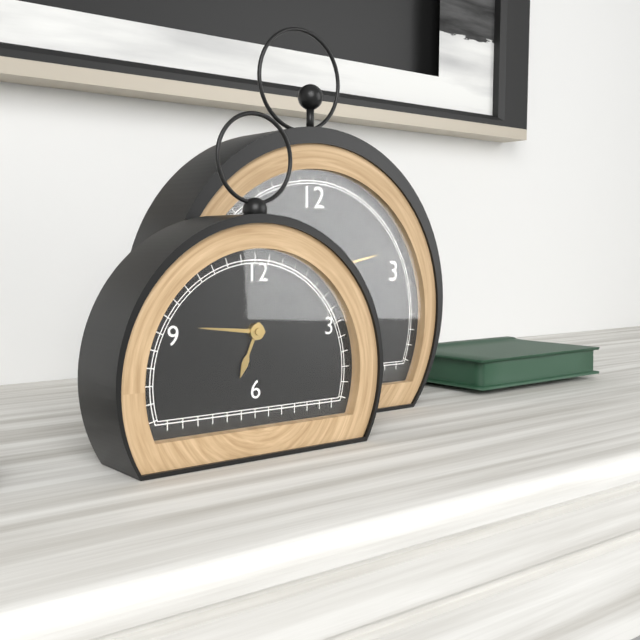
**6:46**
